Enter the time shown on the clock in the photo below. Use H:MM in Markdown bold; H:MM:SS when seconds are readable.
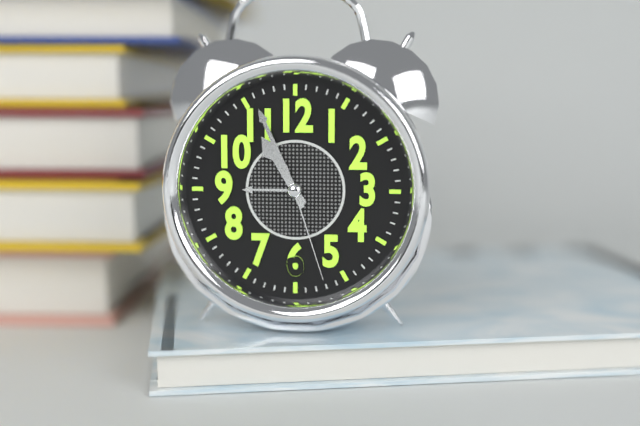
**10:56:27**
